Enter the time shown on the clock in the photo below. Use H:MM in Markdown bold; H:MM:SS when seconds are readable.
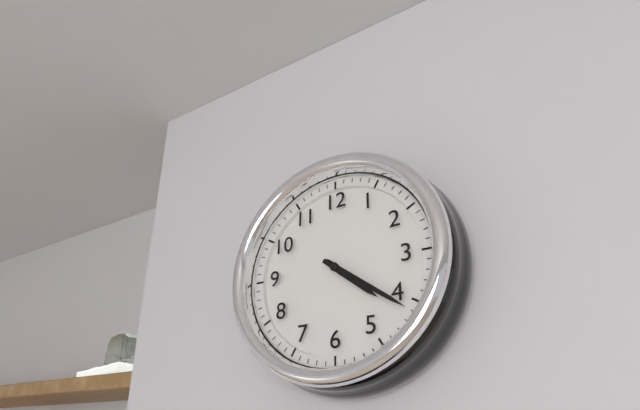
**4:21**
